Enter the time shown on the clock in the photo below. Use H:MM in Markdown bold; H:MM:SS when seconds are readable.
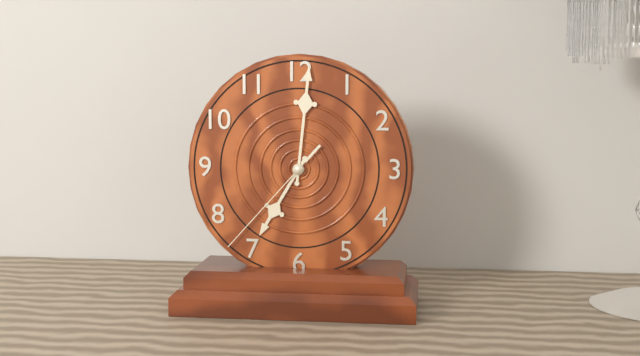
**7:01:37**
